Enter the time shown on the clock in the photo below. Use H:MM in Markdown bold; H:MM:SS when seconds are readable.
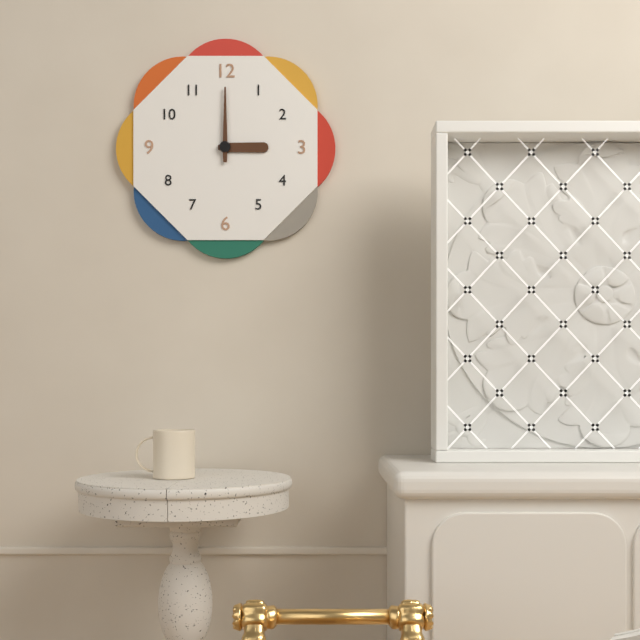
**3:00**
